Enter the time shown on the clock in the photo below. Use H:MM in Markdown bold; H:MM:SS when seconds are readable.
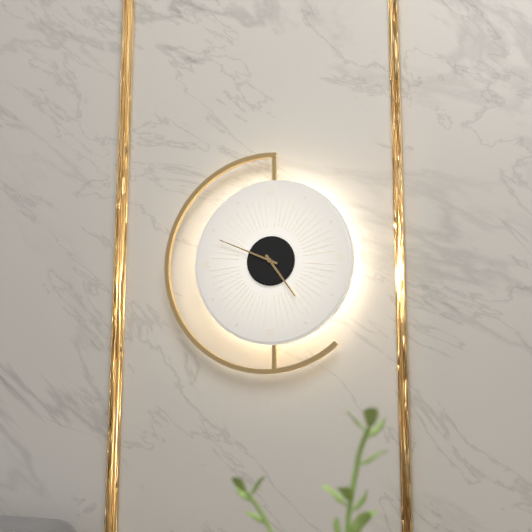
**4:49**
